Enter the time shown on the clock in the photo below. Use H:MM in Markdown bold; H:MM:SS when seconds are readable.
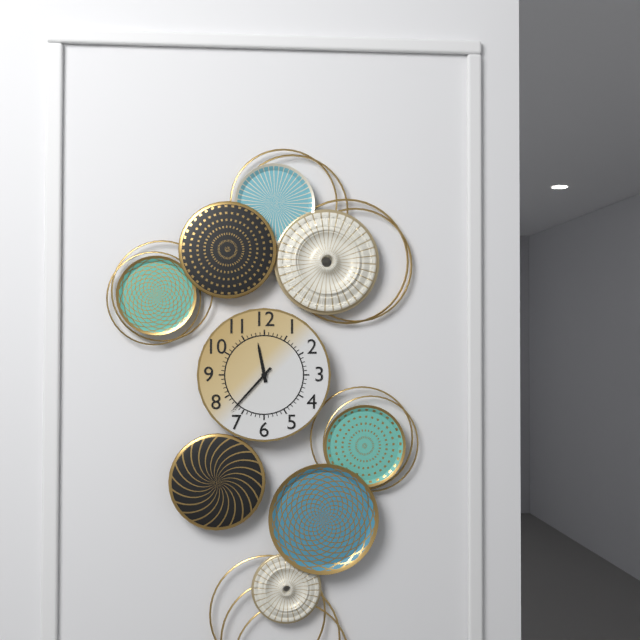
**11:37**
